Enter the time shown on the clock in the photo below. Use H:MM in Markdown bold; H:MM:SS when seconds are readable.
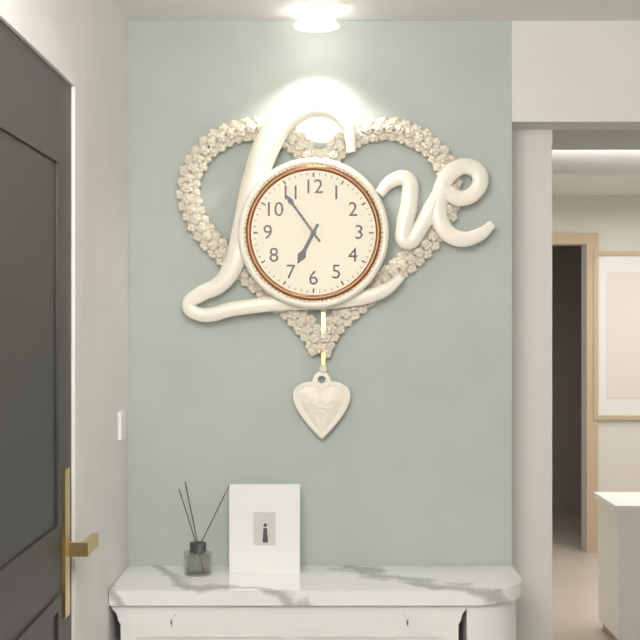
**6:54**
